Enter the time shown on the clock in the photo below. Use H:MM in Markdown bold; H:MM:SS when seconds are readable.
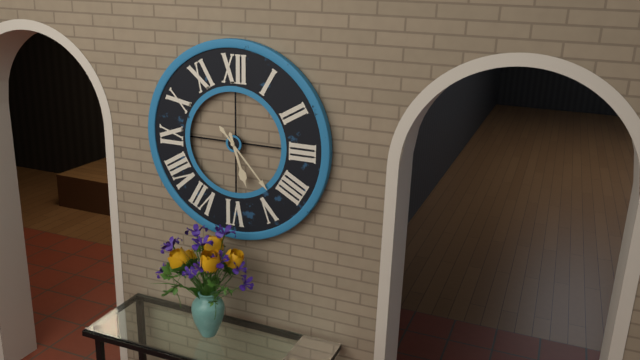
**5:23**
